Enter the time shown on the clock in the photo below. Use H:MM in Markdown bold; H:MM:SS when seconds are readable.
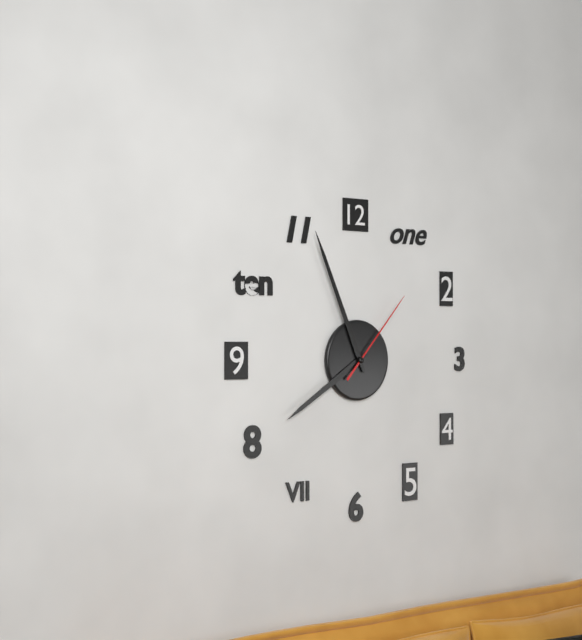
**7:56:07**
